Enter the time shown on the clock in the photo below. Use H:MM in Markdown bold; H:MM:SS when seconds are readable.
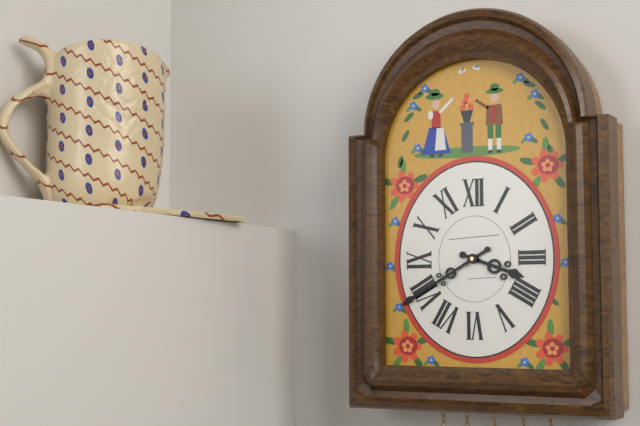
**3:40**
